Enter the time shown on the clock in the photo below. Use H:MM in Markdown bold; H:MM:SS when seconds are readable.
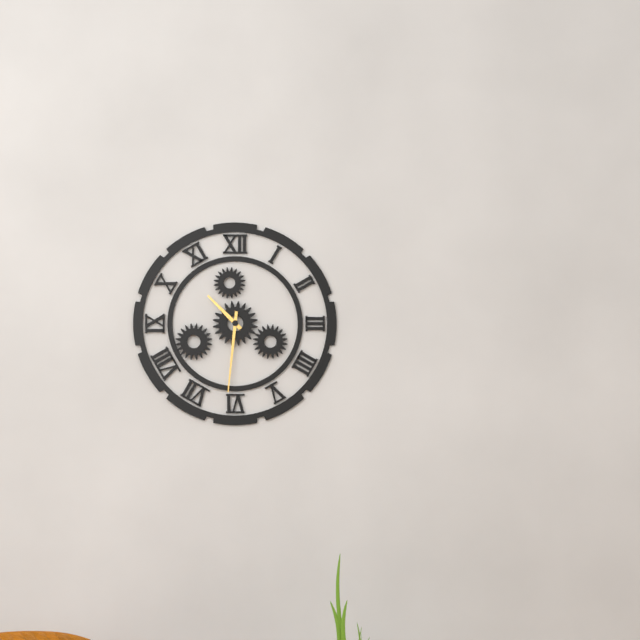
**10:31**
